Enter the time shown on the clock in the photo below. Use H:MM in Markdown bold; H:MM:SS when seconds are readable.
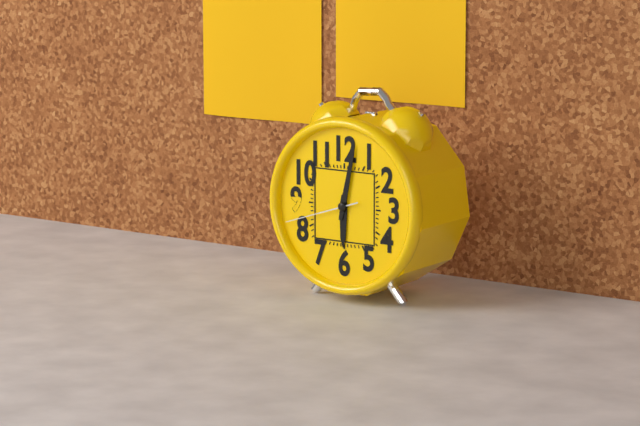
**6:02:42**
